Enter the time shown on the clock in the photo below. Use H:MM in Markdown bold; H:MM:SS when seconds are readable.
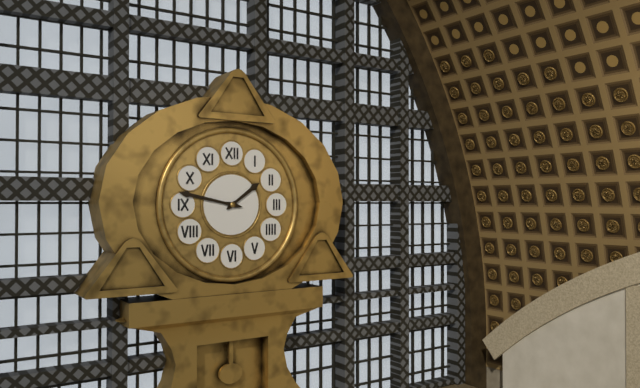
**1:47**
